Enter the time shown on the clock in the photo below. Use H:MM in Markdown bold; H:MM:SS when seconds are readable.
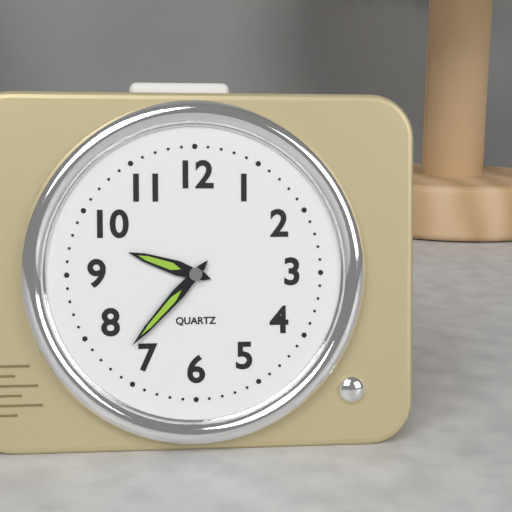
**9:37**
